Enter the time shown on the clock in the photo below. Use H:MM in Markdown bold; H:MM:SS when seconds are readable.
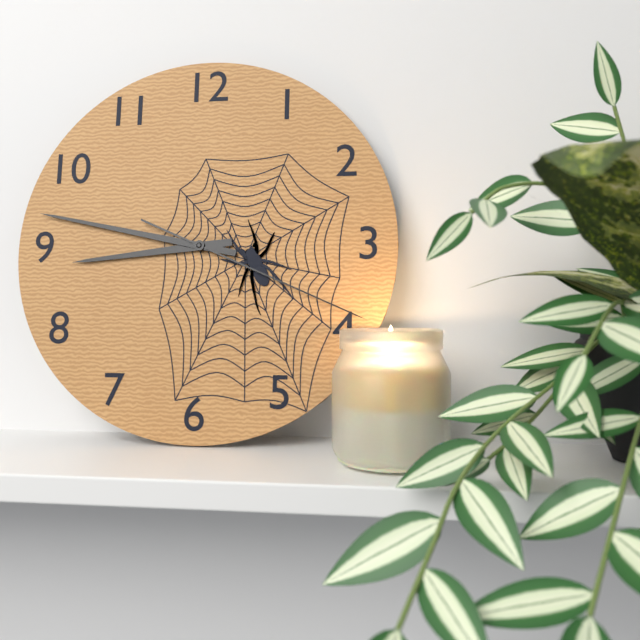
**8:47:19**
